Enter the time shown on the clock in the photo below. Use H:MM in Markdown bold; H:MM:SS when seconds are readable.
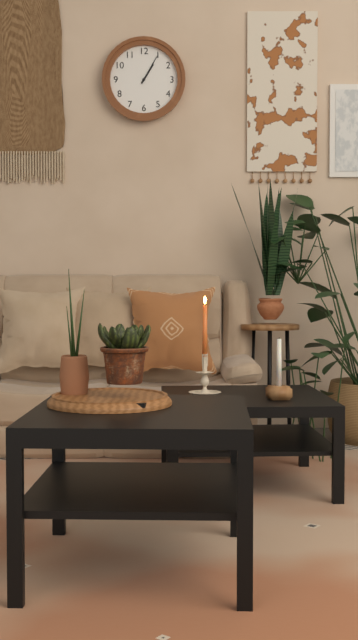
**1:05**
